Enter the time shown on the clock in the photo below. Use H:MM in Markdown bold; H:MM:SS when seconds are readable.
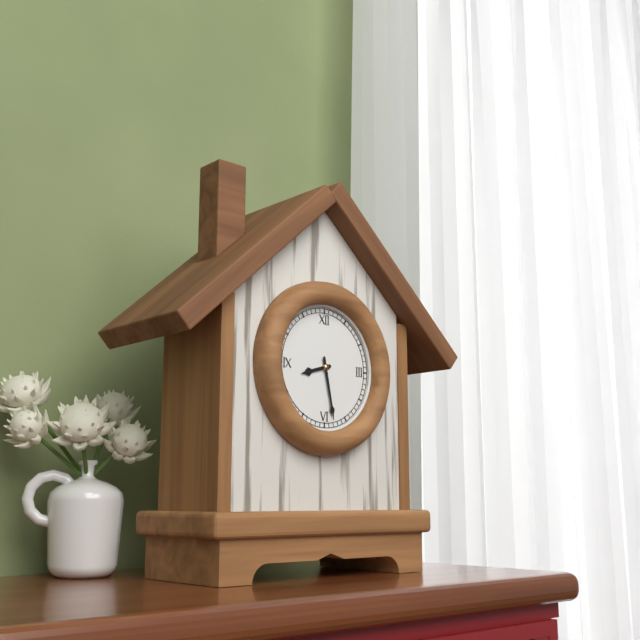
**8:28**
